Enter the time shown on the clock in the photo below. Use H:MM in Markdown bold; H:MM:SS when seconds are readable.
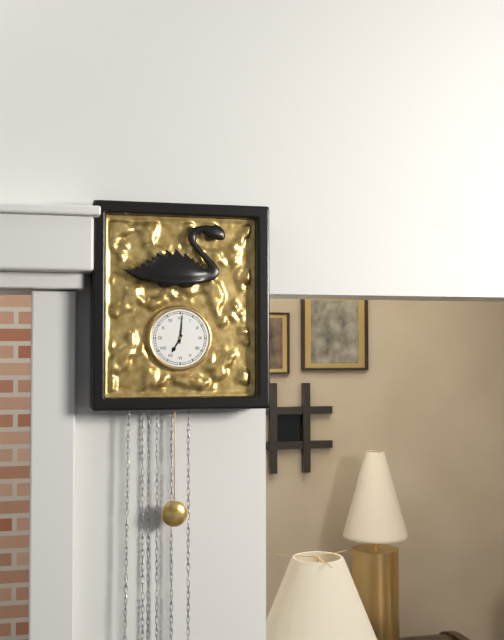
**7:01**
